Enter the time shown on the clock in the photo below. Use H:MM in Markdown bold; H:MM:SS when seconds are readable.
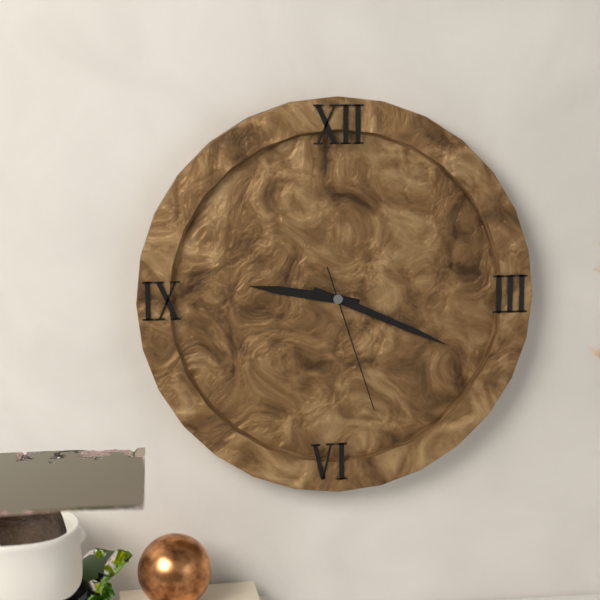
**9:19:27**
